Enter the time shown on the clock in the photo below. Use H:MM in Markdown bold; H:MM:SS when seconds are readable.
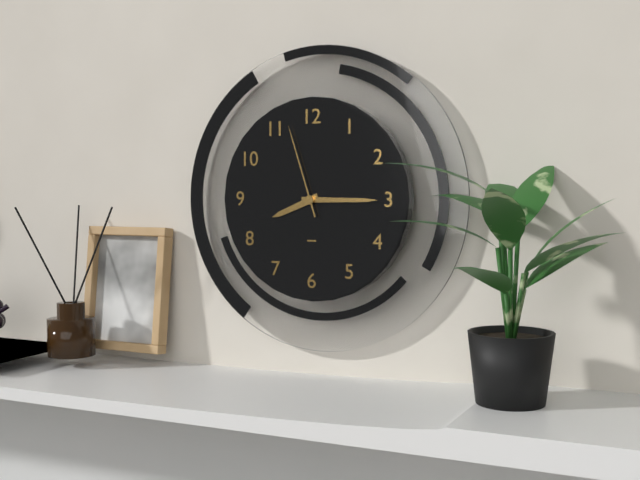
**8:15:57**
